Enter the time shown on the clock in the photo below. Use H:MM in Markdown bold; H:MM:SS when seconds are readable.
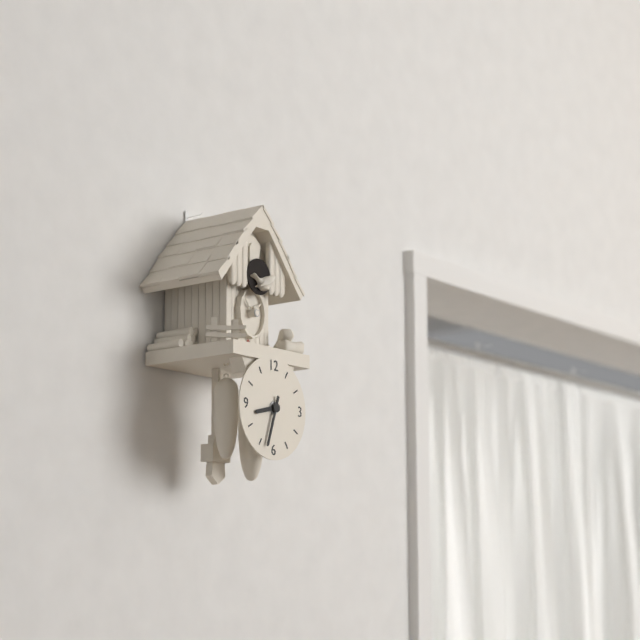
**8:33**
